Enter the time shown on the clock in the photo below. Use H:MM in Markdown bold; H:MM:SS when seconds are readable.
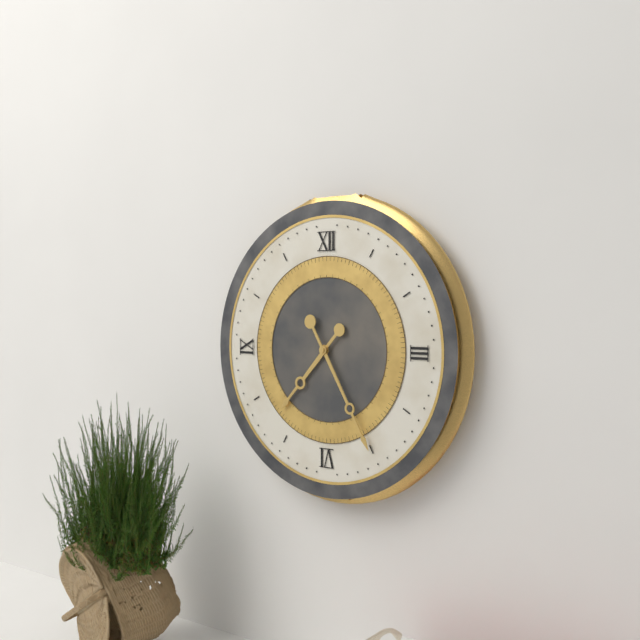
**7:25**
